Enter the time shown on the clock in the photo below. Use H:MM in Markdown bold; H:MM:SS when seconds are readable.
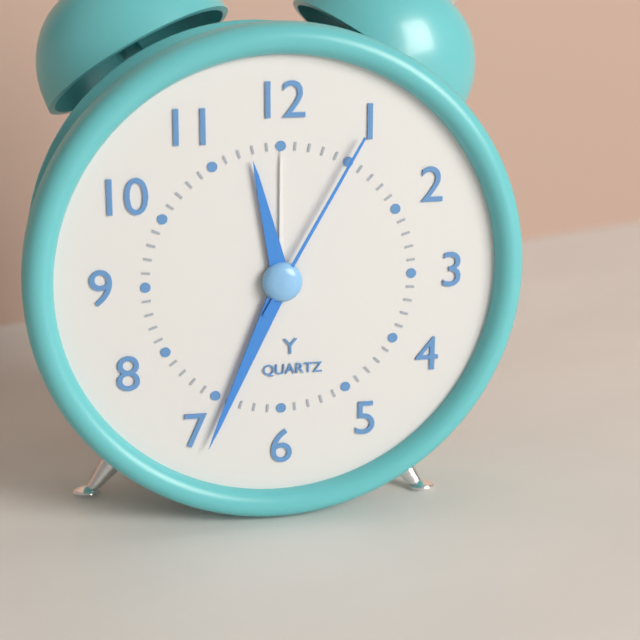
**11:34:05**
